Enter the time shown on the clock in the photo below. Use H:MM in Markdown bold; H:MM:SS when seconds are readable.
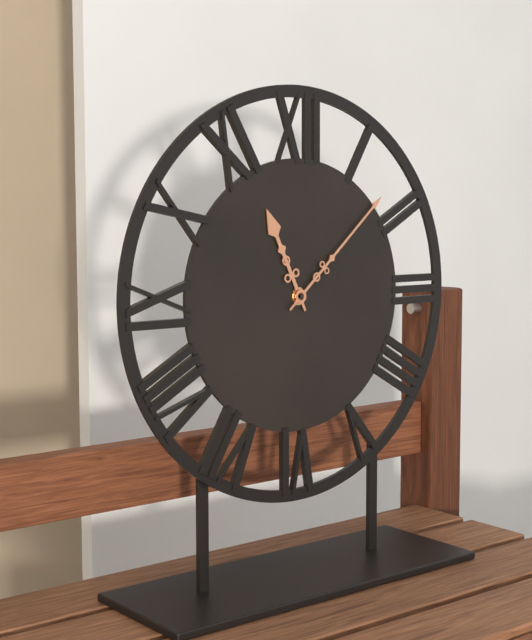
**11:08**
